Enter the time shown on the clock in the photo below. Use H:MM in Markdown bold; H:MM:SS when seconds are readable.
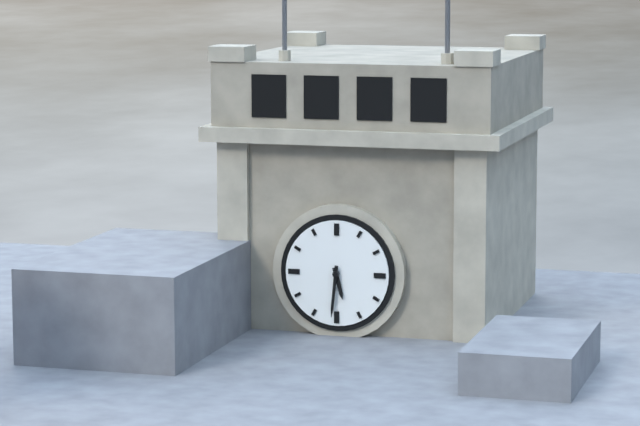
**5:31**
